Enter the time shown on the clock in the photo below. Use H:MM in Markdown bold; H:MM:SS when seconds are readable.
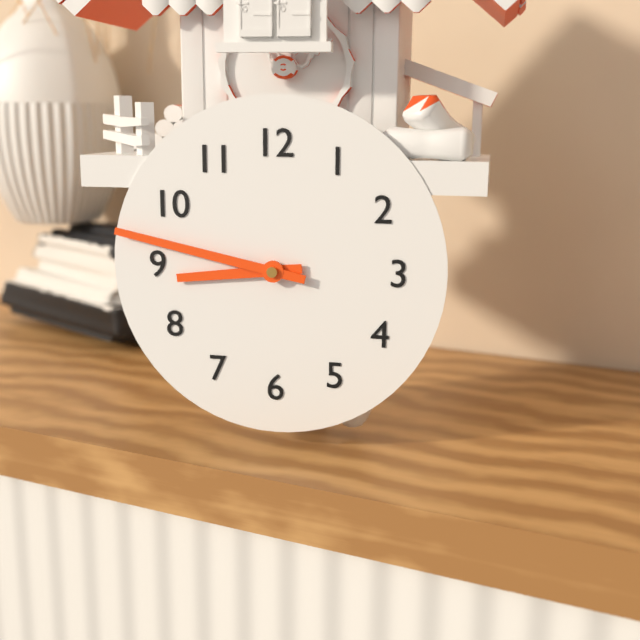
**8:47**
